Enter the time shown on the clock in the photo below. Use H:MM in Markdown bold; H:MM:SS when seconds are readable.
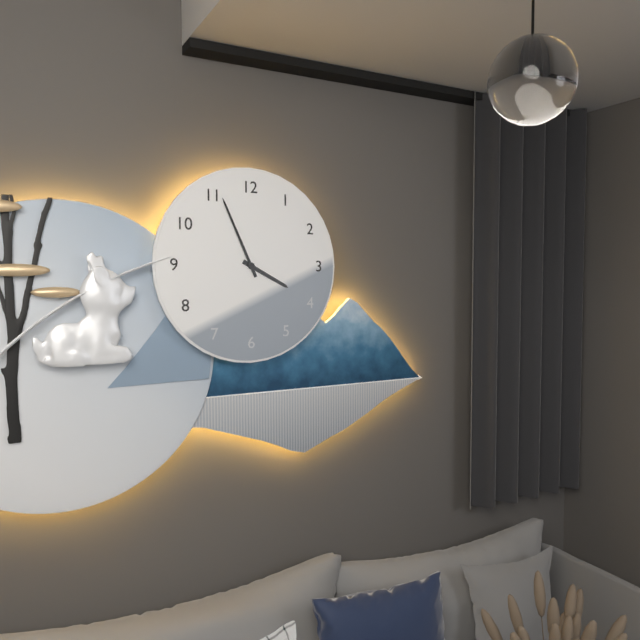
**3:56**
